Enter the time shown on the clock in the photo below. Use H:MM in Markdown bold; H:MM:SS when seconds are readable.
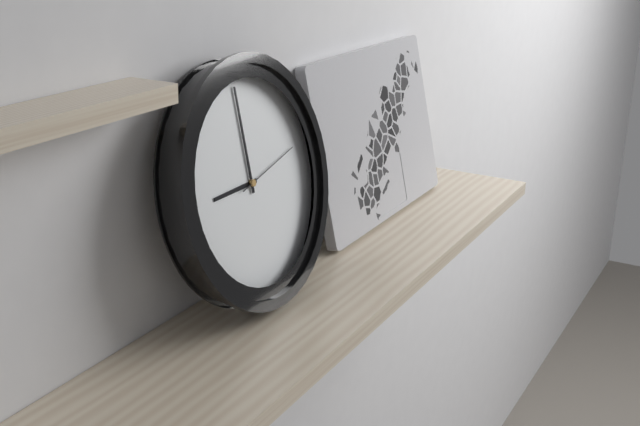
**9:00:13**
